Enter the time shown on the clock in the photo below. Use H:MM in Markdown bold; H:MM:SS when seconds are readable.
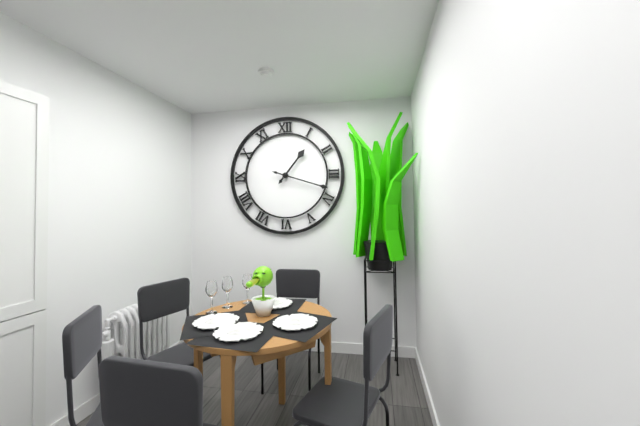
**1:18**
